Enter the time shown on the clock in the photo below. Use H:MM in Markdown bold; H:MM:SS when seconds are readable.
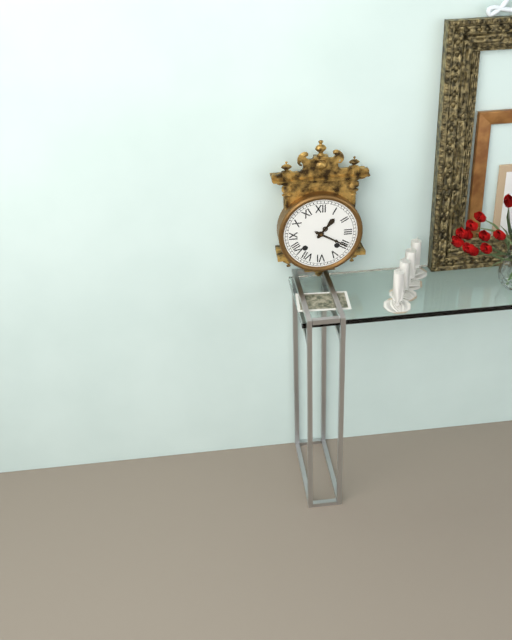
**1:20**
